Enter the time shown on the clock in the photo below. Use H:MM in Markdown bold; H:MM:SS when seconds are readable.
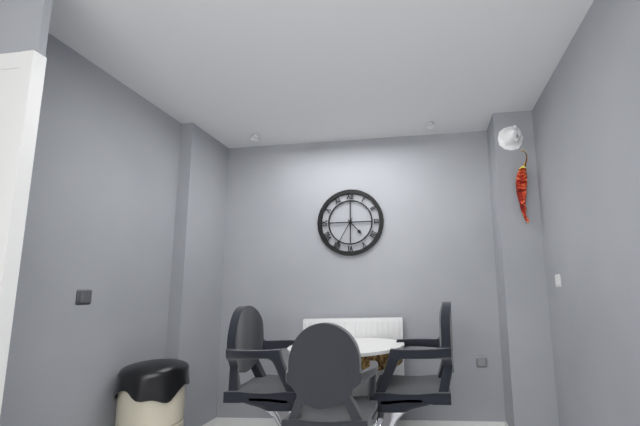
**4:35**
